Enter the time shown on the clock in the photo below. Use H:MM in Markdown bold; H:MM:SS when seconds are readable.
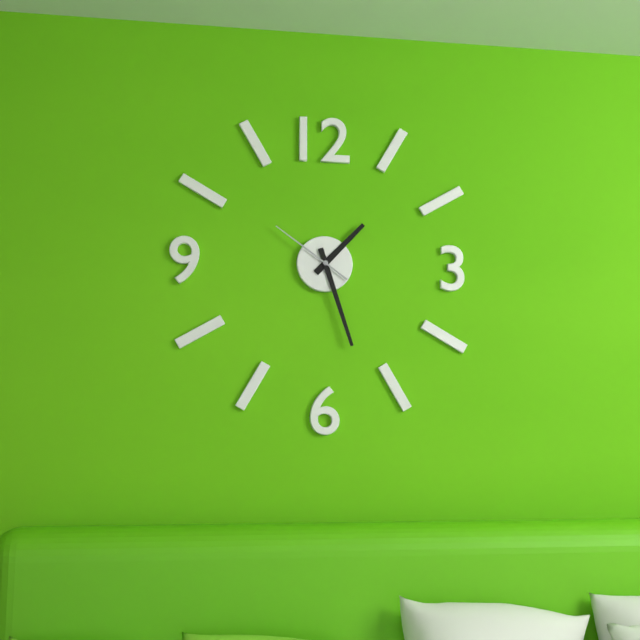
**1:27:51**
